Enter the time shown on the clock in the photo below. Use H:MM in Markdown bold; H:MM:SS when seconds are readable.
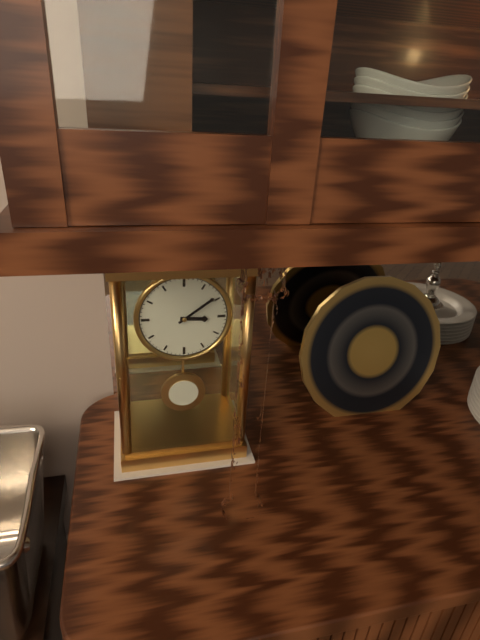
**3:09**
